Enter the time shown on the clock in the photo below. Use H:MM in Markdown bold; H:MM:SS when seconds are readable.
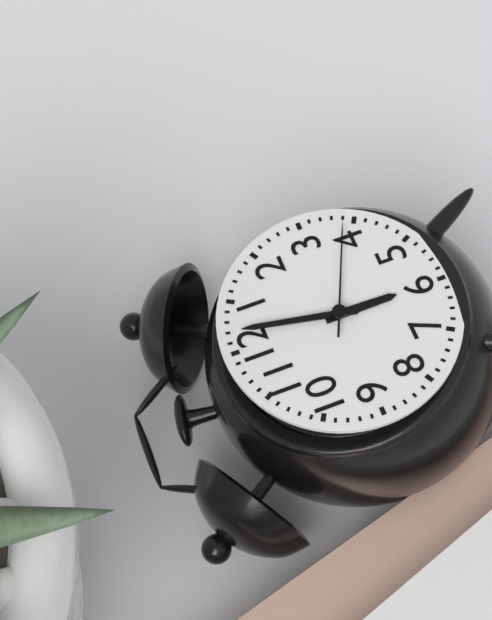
**6:02:19**
